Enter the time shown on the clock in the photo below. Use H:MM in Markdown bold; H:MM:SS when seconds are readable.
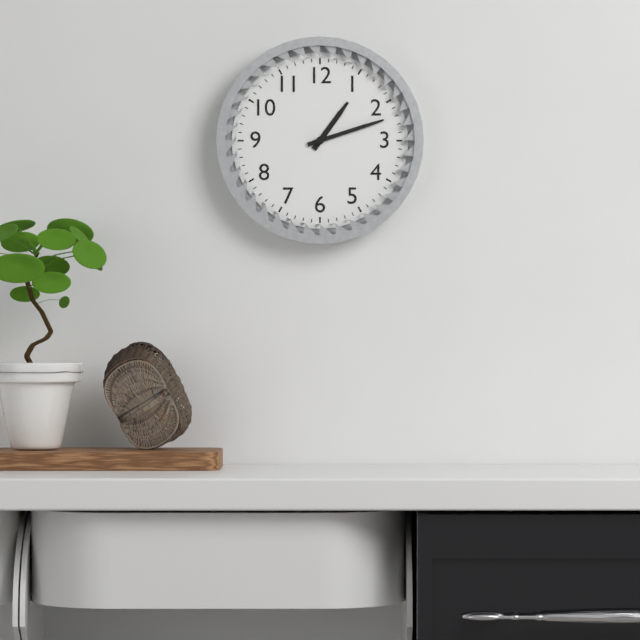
**1:12**
